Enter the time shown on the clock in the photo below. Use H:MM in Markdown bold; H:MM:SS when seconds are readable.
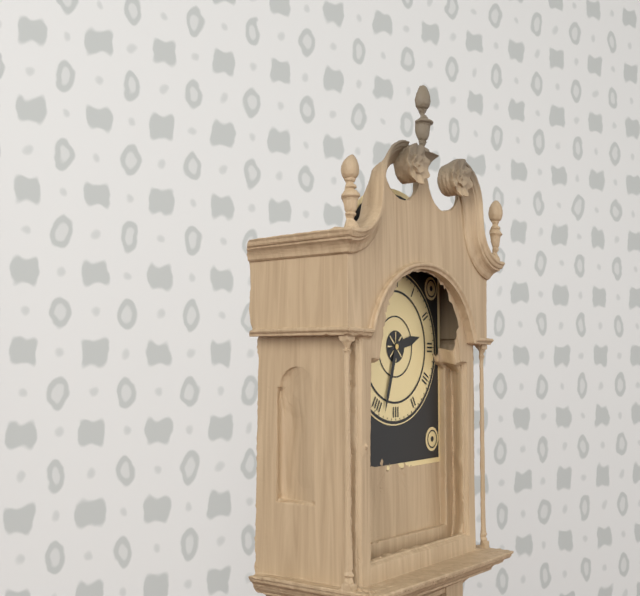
**2:33**
